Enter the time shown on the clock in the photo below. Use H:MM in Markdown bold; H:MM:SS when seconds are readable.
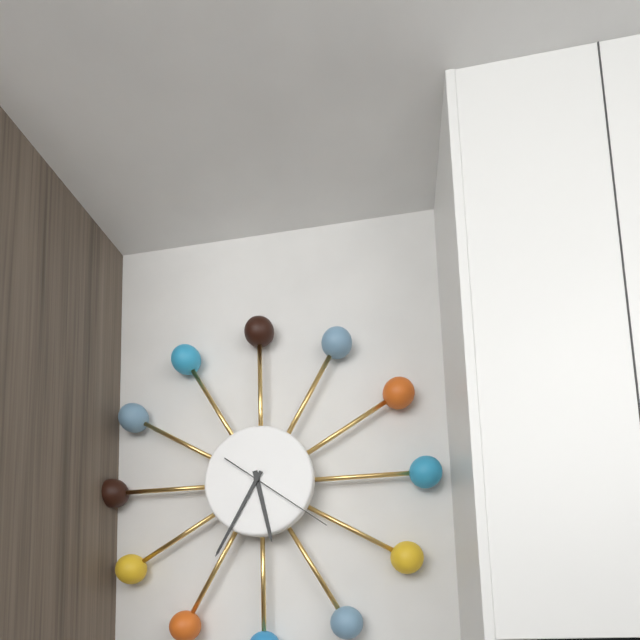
**5:35:21**
